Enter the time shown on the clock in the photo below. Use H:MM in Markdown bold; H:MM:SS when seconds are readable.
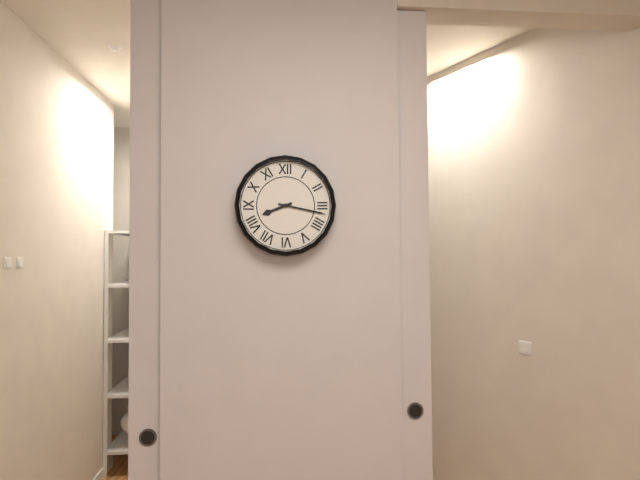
**8:17**
